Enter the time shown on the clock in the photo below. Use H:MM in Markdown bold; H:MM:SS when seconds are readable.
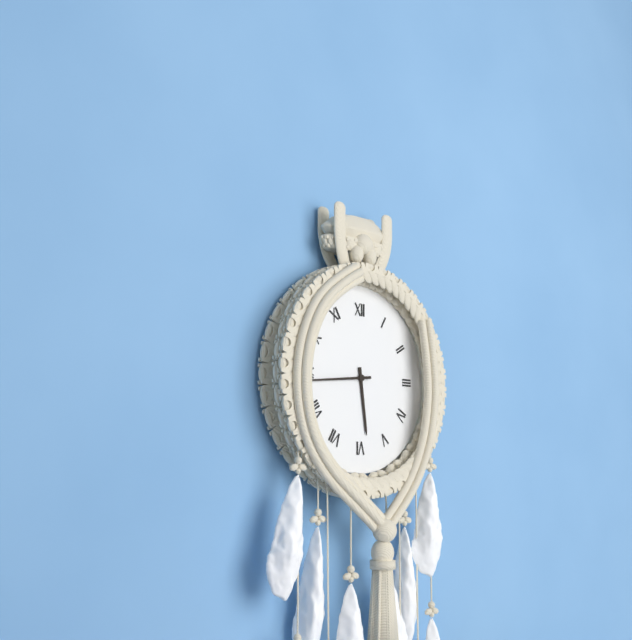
**5:44**
